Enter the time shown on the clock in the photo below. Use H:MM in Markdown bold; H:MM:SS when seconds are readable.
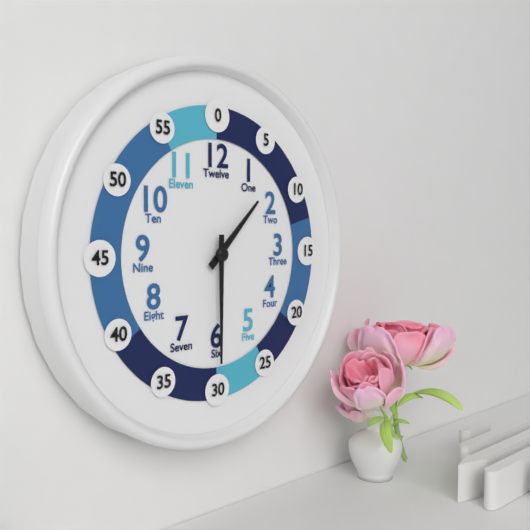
**1:30**
